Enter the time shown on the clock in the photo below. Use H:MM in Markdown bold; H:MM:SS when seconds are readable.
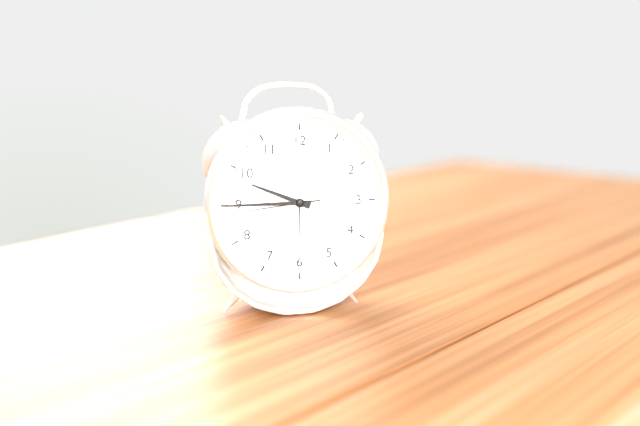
**9:45:44**
